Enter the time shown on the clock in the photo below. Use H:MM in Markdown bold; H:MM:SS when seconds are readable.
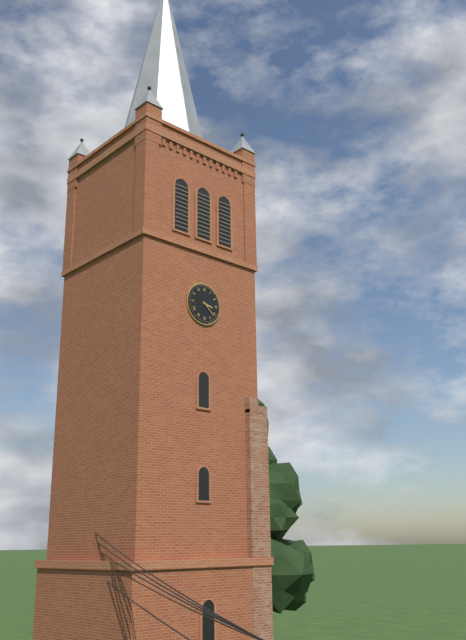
**3:22**
